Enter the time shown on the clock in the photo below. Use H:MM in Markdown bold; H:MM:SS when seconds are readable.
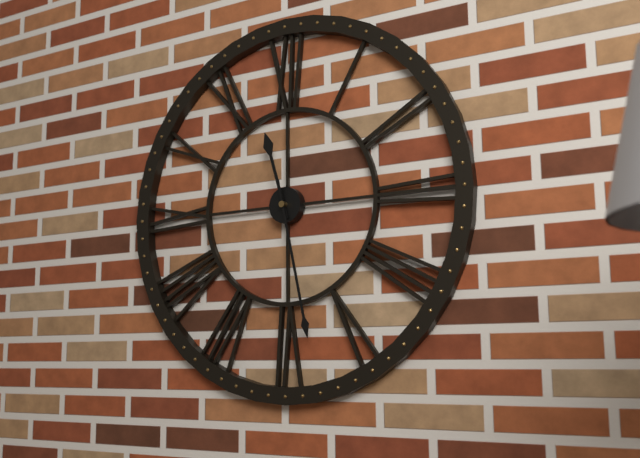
**11:28**
